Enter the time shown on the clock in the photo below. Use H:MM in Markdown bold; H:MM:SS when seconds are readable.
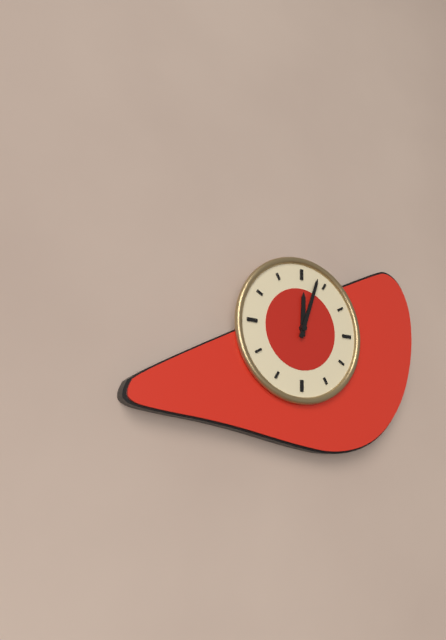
**12:03**
